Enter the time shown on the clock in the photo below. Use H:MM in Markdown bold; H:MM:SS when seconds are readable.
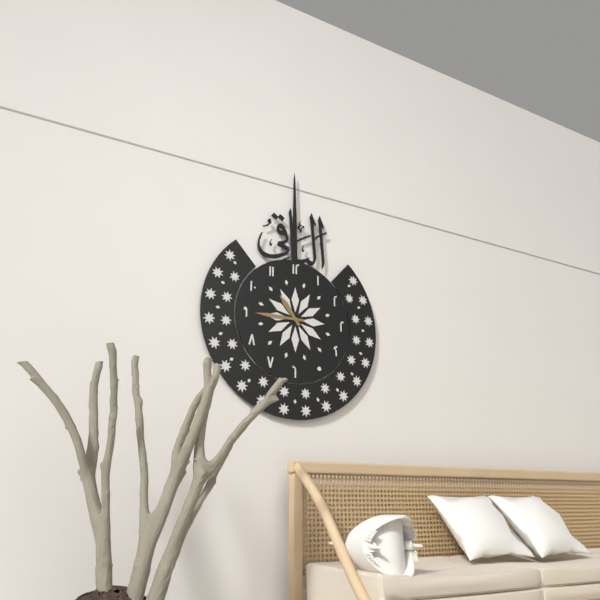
**10:45**
